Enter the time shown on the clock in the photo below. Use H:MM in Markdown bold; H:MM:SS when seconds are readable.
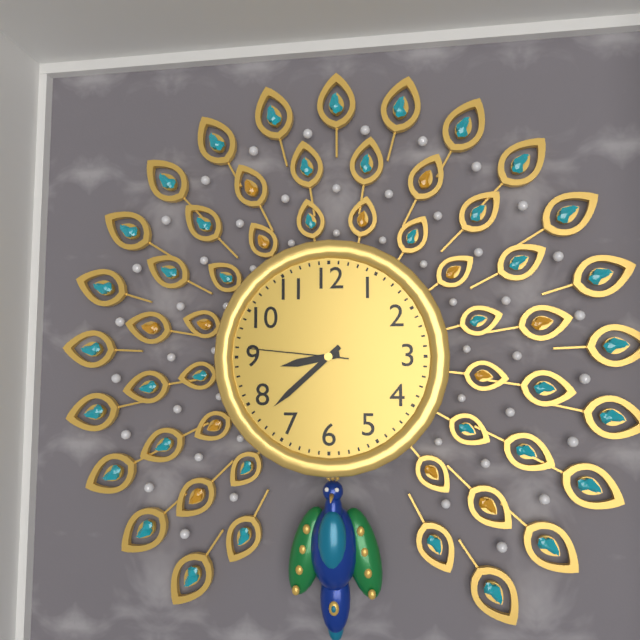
**8:38:46**
